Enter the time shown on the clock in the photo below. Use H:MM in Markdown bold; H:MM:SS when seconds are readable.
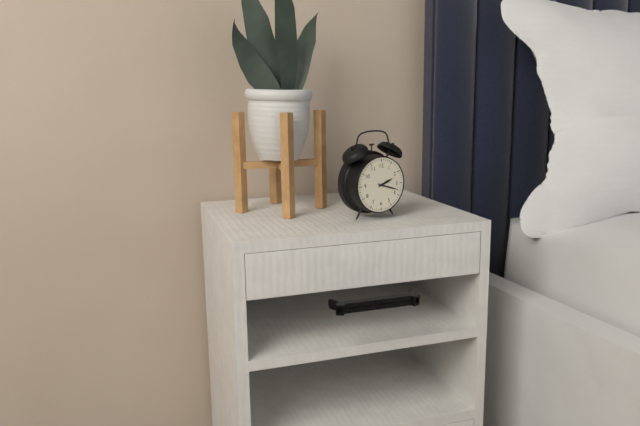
**2:18**
